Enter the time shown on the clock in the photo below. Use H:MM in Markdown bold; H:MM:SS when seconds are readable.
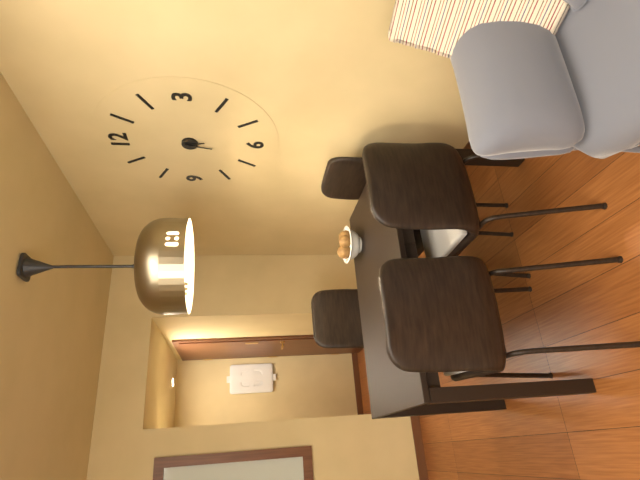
**5:32**
